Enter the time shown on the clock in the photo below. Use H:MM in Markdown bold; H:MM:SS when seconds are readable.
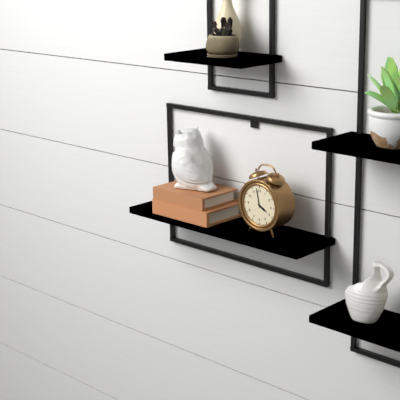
**3:58**
